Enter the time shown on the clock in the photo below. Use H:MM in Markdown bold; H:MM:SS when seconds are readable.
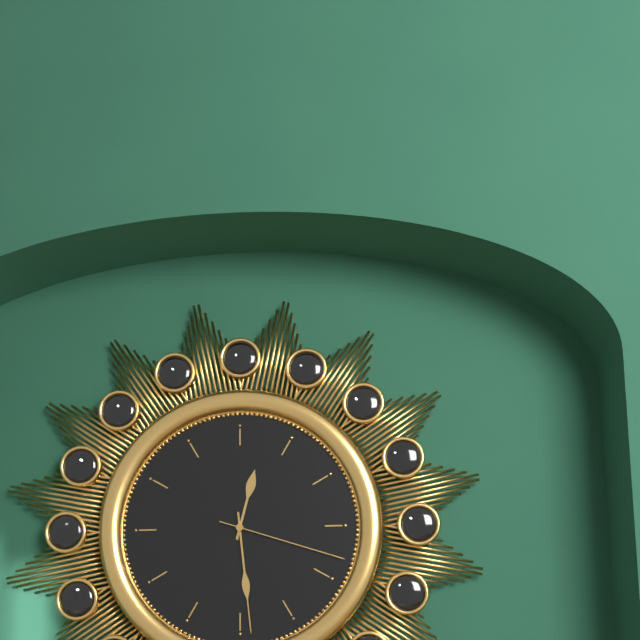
**12:29:18**
